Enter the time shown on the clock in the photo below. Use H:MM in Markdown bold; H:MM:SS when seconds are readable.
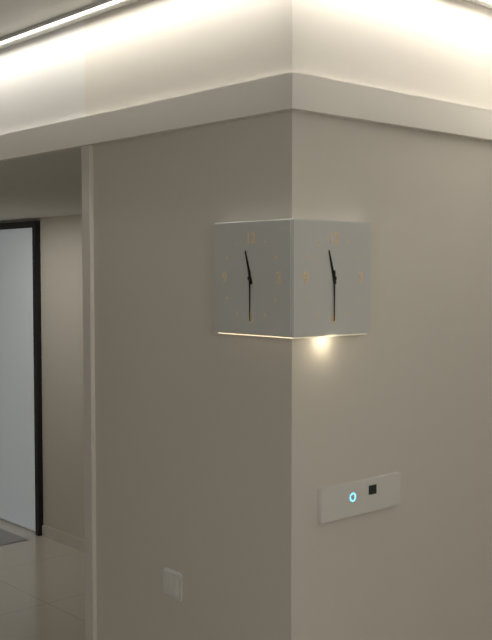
**11:30**
